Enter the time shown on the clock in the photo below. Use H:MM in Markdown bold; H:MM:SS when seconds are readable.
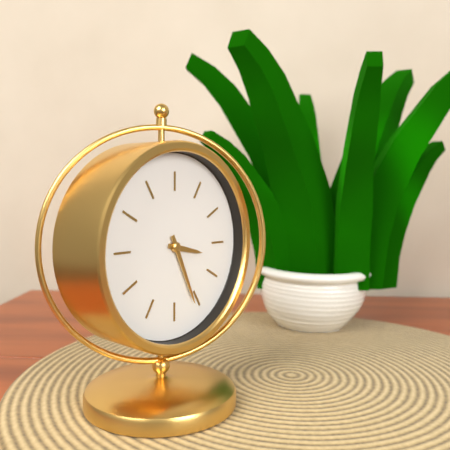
**3:26**
